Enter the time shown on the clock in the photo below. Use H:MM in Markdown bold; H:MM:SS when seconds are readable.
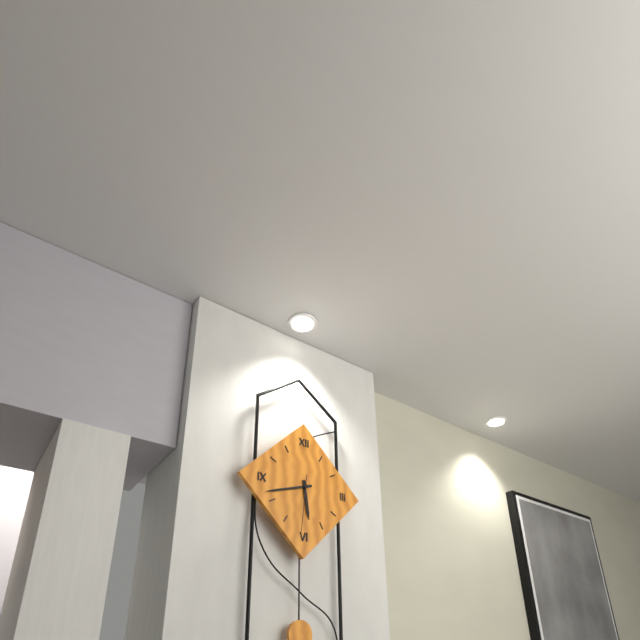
**5:42:31**
